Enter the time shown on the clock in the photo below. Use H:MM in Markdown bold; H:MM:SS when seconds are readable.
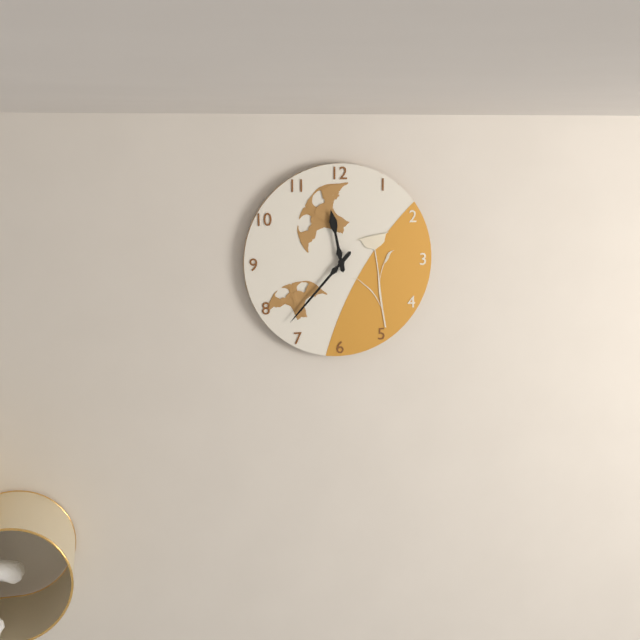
**11:37**
